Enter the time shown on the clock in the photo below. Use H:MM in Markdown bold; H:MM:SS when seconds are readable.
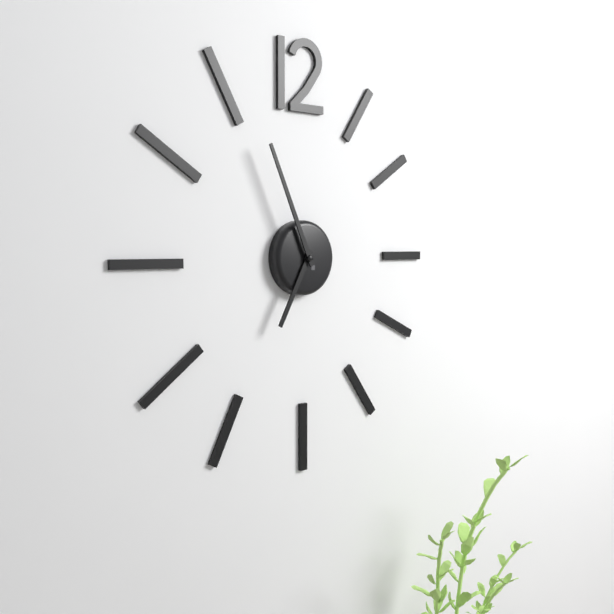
**6:56**
